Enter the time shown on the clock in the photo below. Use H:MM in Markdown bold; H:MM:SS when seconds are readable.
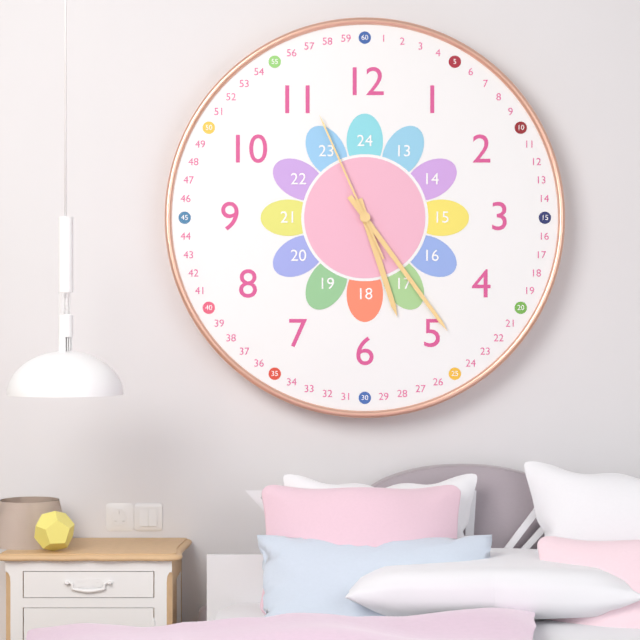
**5:24:56**
